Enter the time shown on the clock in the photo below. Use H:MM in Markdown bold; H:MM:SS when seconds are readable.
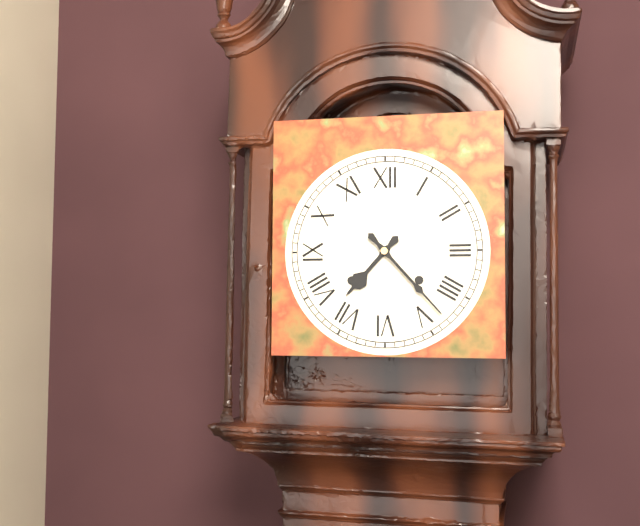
**7:23**
